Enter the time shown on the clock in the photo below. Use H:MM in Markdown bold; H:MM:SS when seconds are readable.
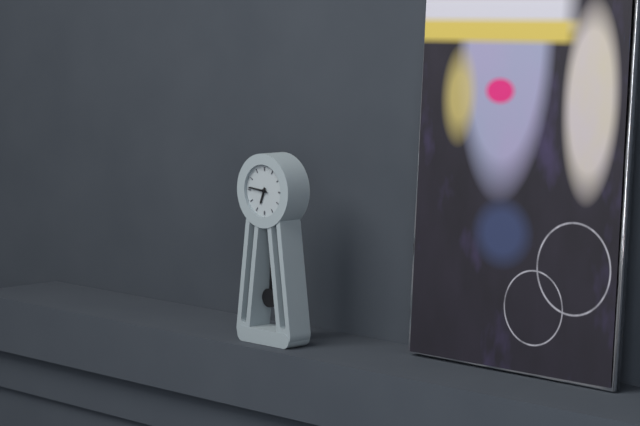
**6:46**
